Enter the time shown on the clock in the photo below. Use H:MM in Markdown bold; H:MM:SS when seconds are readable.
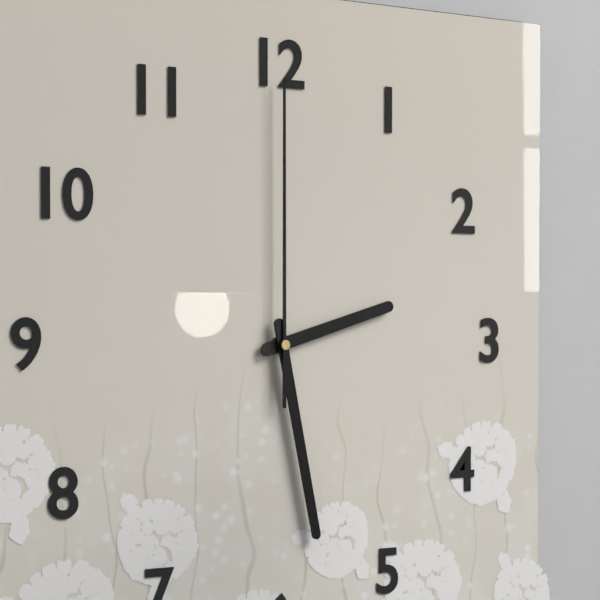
**2:28:00**
